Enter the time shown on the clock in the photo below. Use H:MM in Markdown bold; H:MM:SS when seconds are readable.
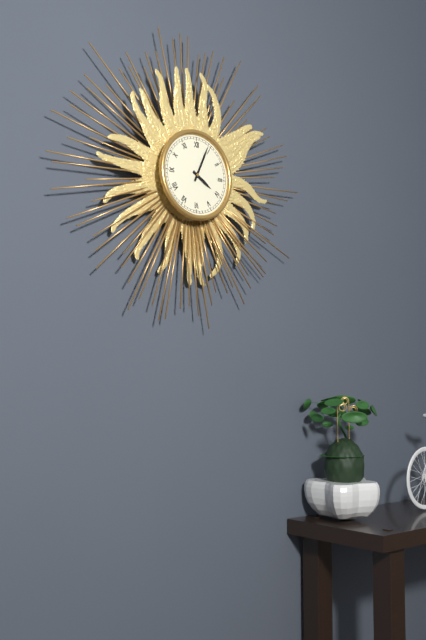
**4:04**
